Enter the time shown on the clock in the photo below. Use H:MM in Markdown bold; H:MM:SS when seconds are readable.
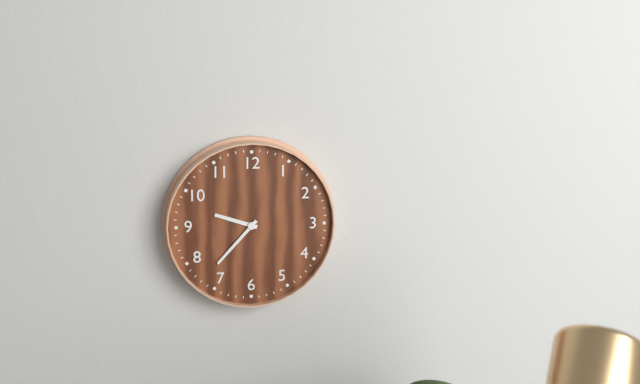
**9:37**
